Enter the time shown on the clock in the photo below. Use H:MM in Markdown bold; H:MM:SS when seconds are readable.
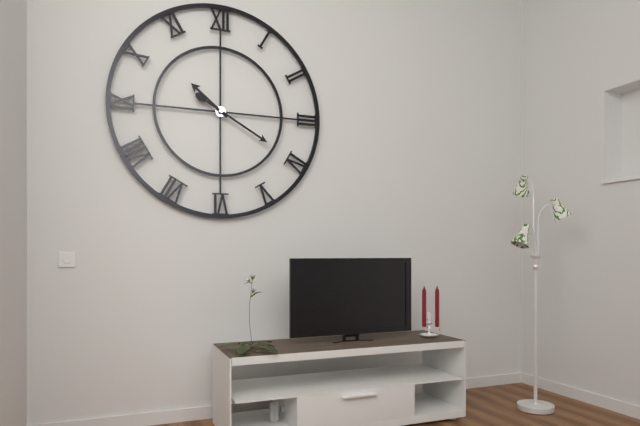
**10:20**
